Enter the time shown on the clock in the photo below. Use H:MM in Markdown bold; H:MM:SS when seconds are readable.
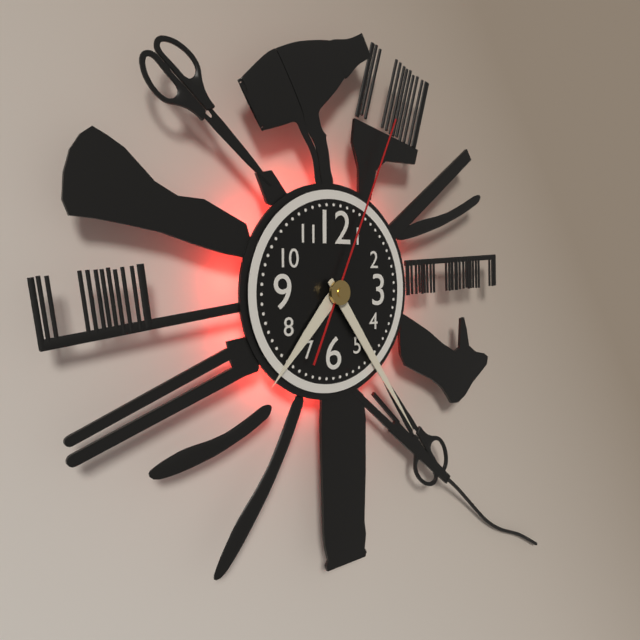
**7:24:04**
